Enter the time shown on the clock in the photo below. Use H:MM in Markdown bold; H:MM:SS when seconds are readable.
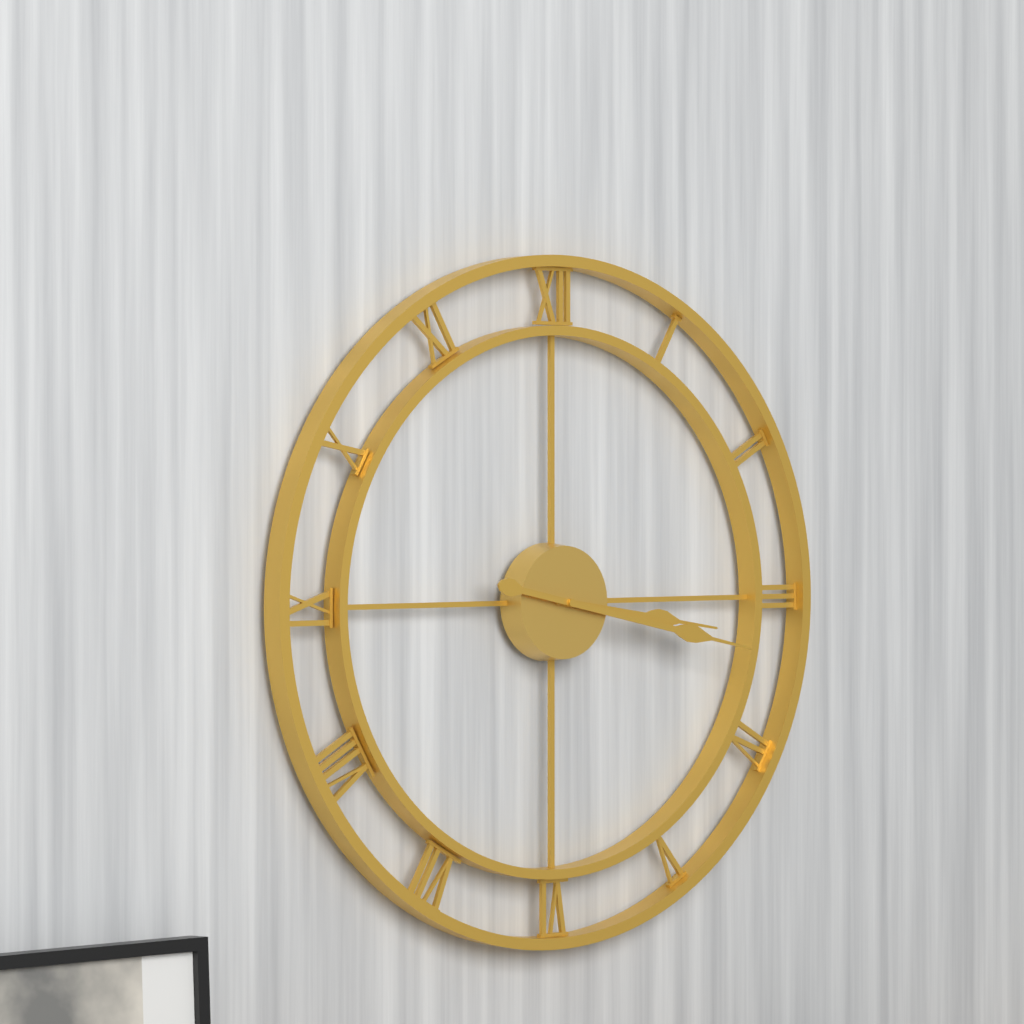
**3:17**
